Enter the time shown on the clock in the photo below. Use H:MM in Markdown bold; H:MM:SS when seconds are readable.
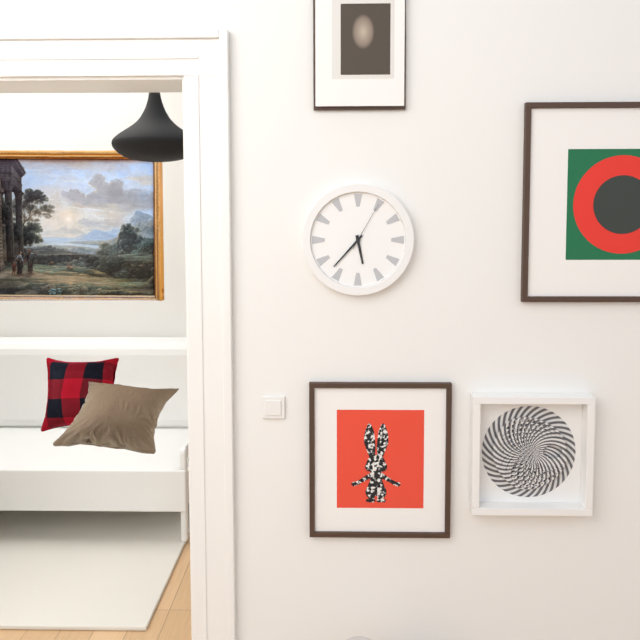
**5:37:05**
